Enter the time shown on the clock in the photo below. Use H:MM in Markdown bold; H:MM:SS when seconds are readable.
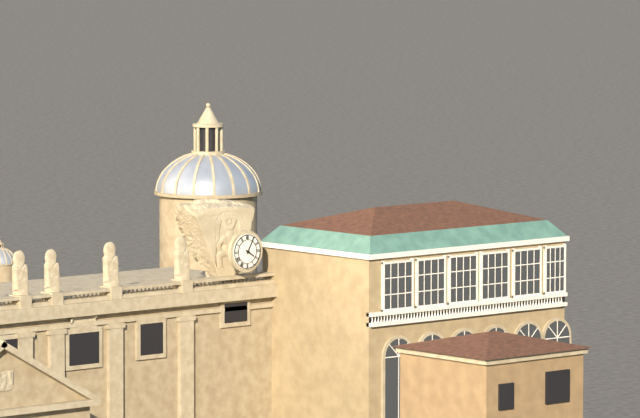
**4:05**
